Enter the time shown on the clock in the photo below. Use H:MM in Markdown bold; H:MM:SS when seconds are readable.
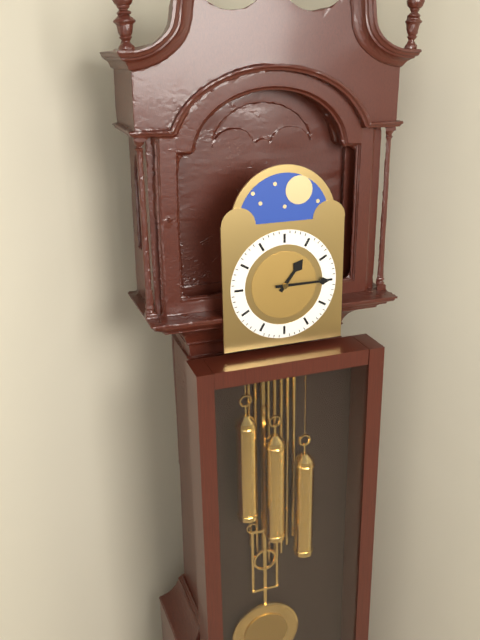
**1:15**
